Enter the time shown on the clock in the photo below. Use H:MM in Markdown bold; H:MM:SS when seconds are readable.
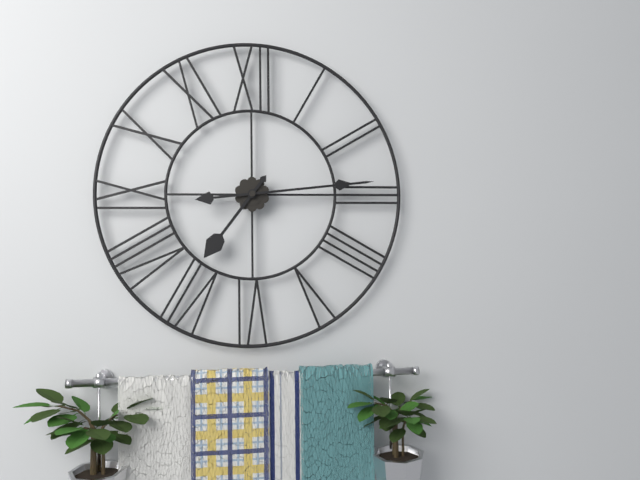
**7:14**
